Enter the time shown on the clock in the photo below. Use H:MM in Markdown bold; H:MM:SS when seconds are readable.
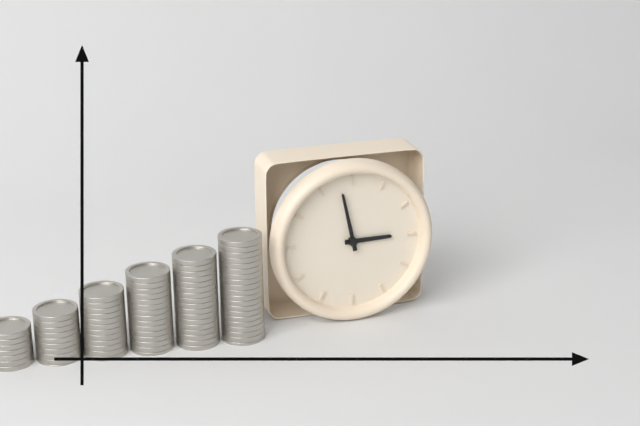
**2:58**
